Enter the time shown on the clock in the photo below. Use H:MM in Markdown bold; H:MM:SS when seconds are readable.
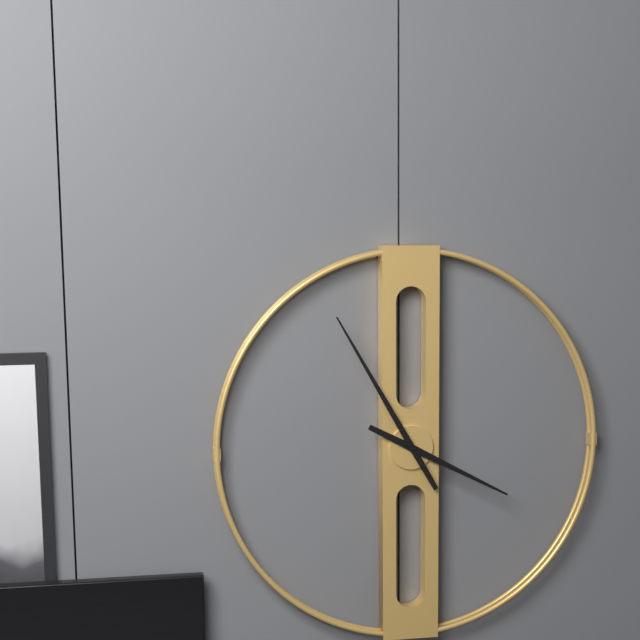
**3:55**
